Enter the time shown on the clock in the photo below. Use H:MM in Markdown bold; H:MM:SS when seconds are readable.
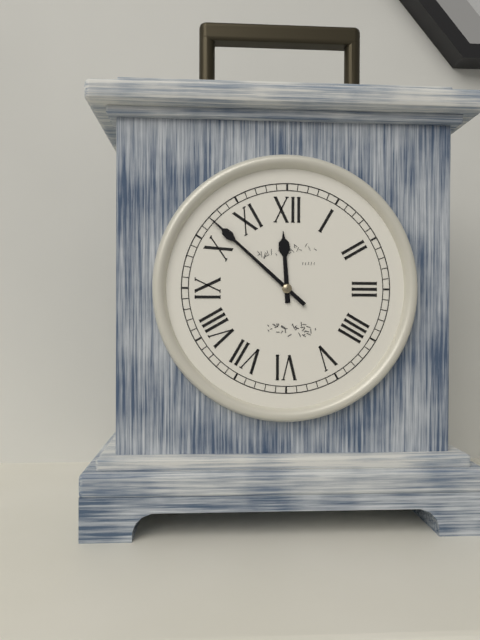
**11:52**
